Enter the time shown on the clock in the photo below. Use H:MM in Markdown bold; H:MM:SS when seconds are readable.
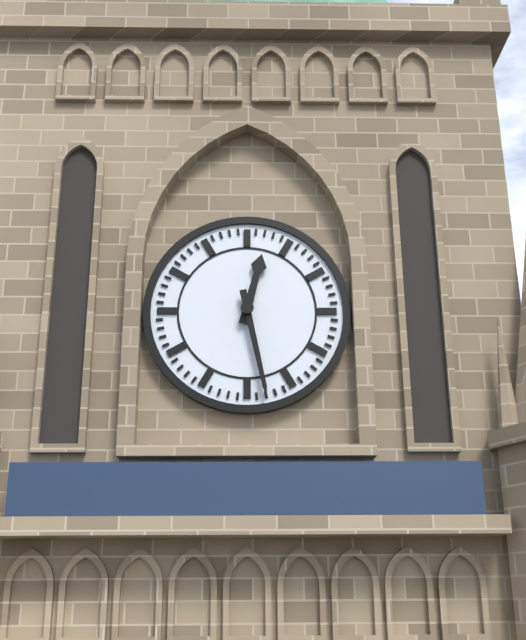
**12:28**
